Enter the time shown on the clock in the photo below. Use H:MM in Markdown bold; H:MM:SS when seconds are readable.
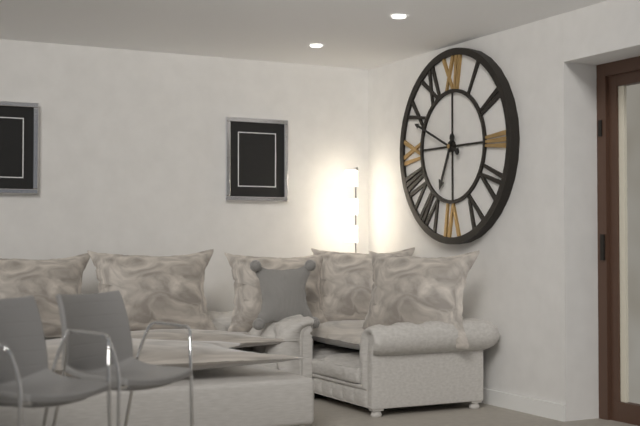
**6:49**
